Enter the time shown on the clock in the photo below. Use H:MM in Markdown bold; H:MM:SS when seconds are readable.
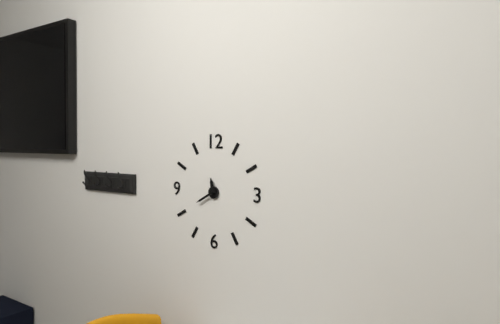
**11:40**
